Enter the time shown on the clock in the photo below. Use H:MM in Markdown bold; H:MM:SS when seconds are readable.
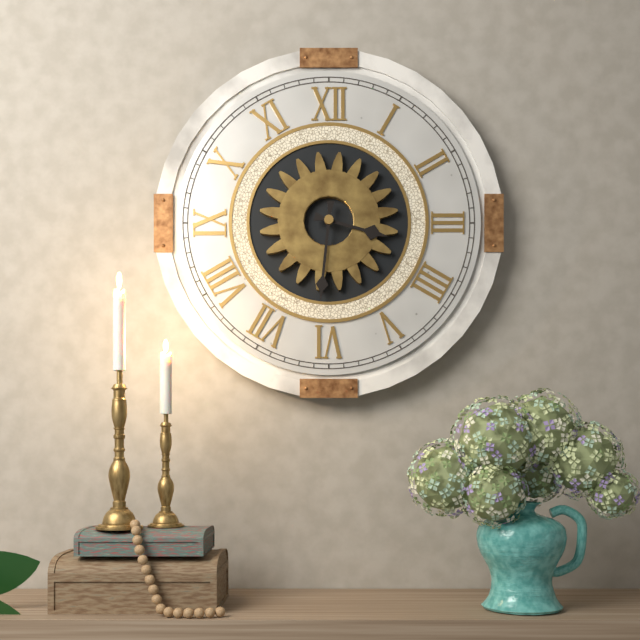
**3:31**
